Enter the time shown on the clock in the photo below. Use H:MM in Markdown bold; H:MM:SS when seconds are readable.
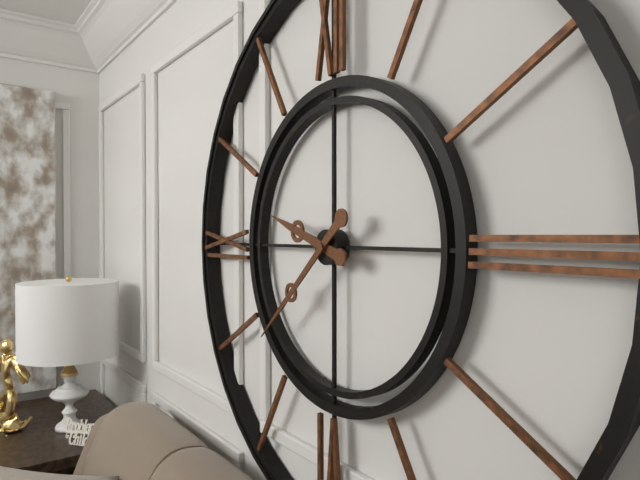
**9:38**
